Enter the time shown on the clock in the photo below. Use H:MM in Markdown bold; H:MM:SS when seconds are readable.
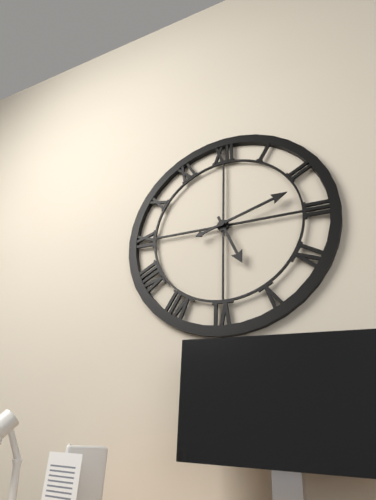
**5:12**
